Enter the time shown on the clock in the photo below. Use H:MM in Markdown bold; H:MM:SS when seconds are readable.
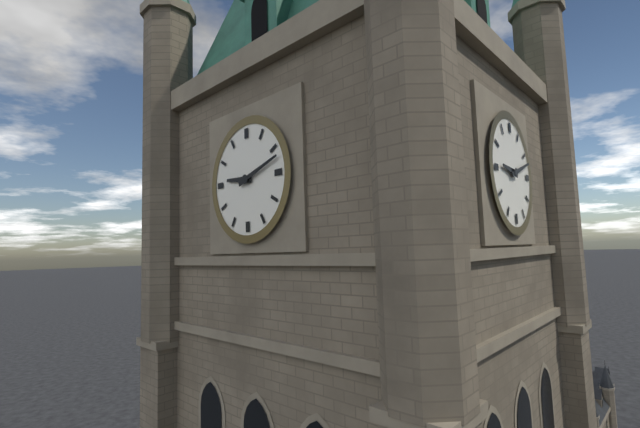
**9:12**
